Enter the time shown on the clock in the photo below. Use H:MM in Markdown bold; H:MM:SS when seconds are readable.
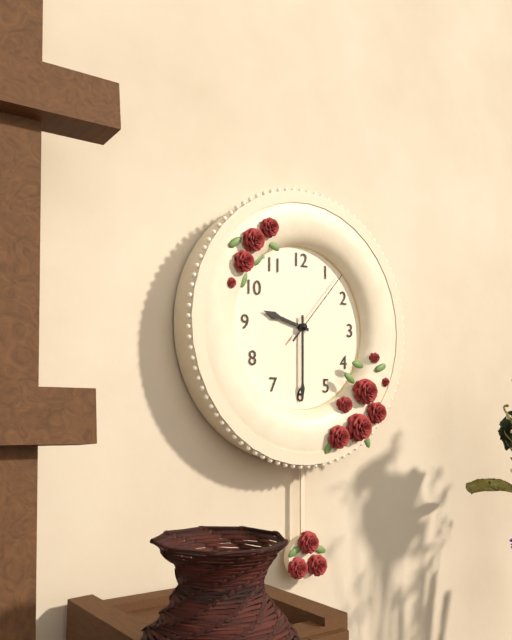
**9:30:07**
